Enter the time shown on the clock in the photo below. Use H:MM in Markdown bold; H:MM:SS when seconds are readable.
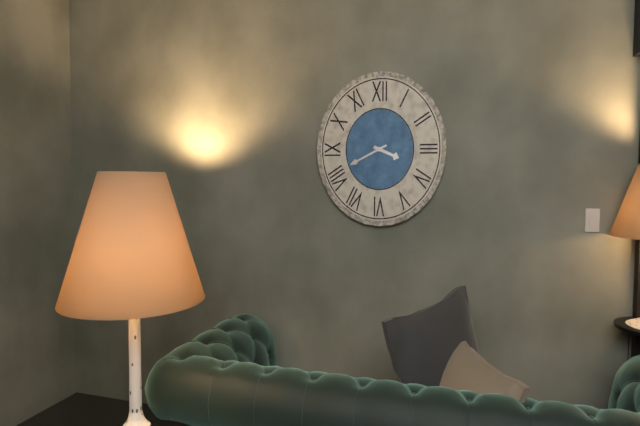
**3:41**
